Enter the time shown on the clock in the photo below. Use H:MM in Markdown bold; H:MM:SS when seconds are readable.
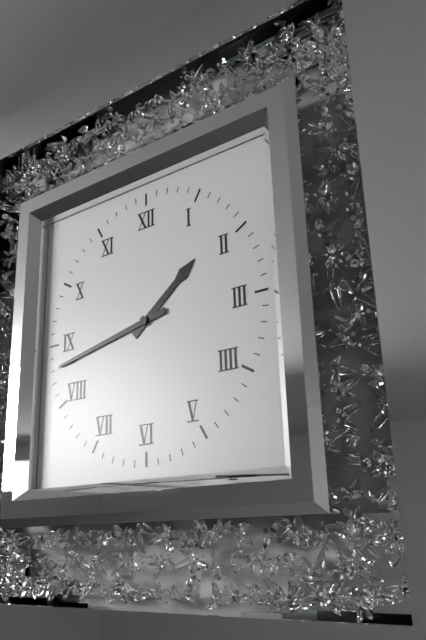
**1:43**
